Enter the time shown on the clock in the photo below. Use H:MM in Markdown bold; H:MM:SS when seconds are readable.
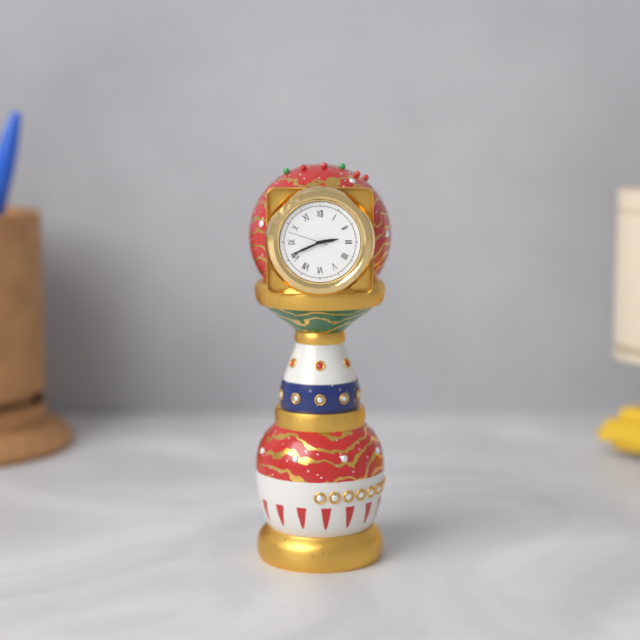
**2:41**
